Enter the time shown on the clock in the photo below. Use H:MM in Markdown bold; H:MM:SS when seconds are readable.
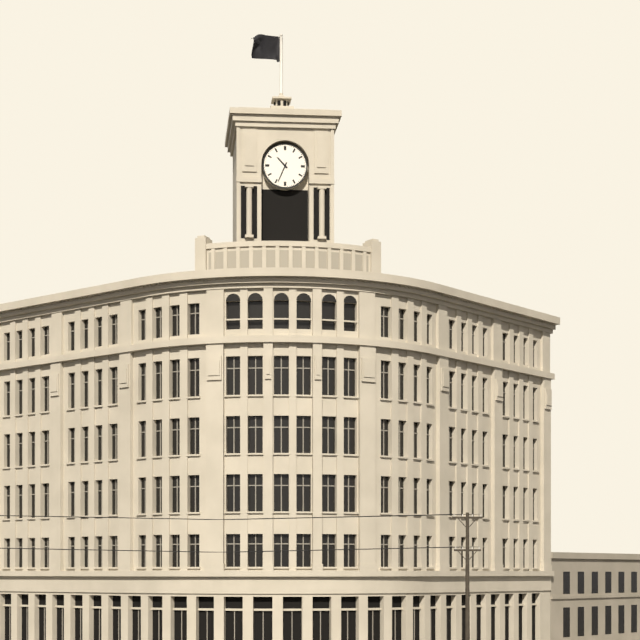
**10:34**
